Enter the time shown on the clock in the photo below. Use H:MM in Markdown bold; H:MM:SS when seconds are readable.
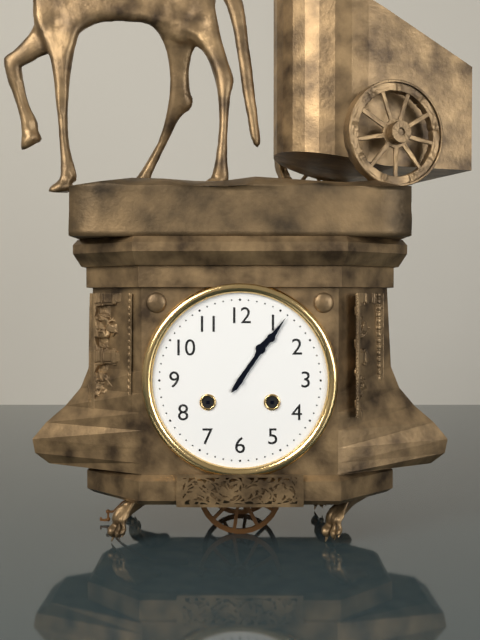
**1:06**
